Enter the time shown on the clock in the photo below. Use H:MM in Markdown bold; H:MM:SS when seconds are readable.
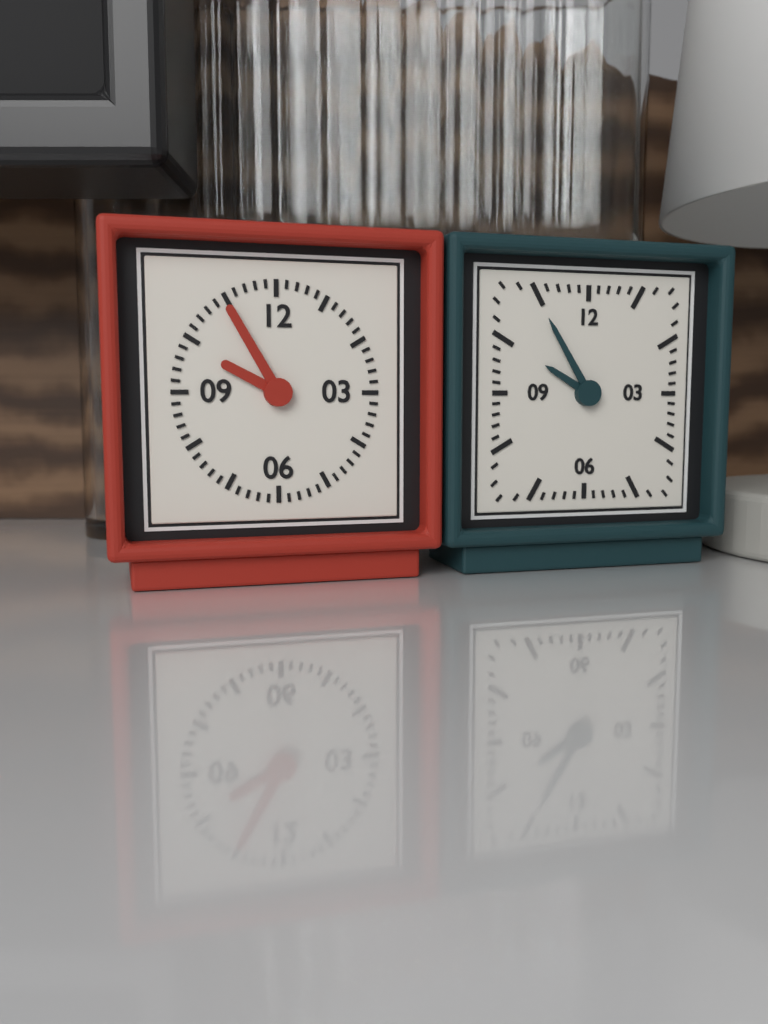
**9:55**
